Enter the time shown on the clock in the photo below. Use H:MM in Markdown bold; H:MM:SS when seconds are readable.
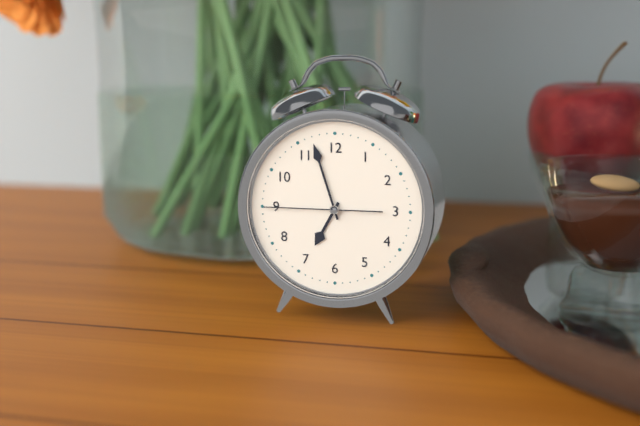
**6:57:45**
